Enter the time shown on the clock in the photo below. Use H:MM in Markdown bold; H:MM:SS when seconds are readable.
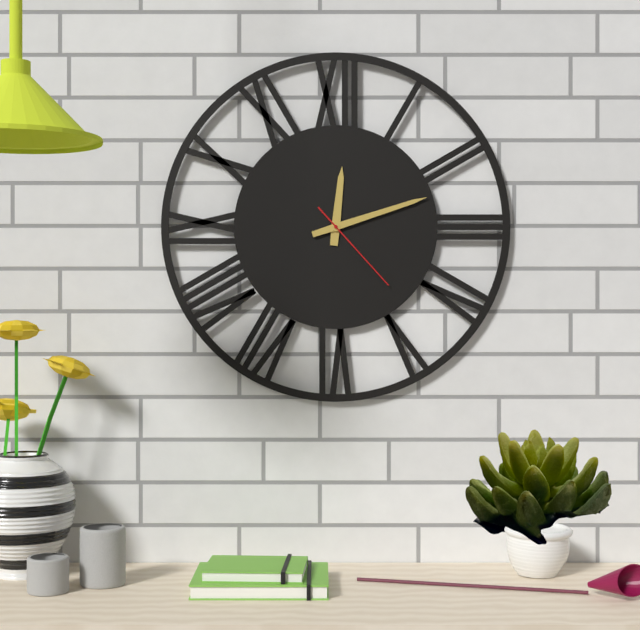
**12:12:23**
